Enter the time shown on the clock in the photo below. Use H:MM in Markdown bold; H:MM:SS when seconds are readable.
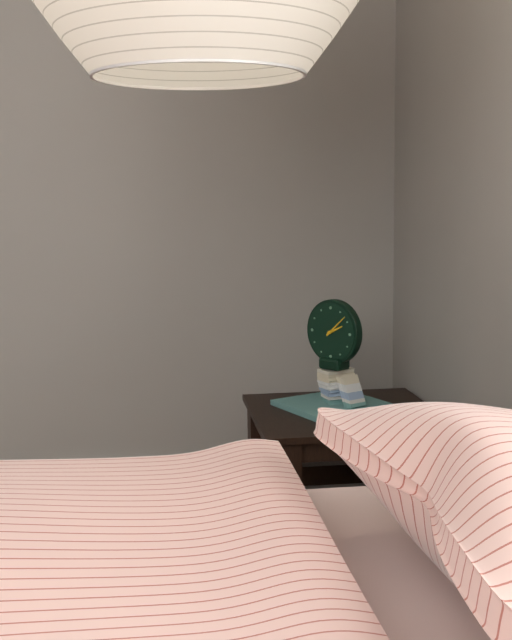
**2:08**
